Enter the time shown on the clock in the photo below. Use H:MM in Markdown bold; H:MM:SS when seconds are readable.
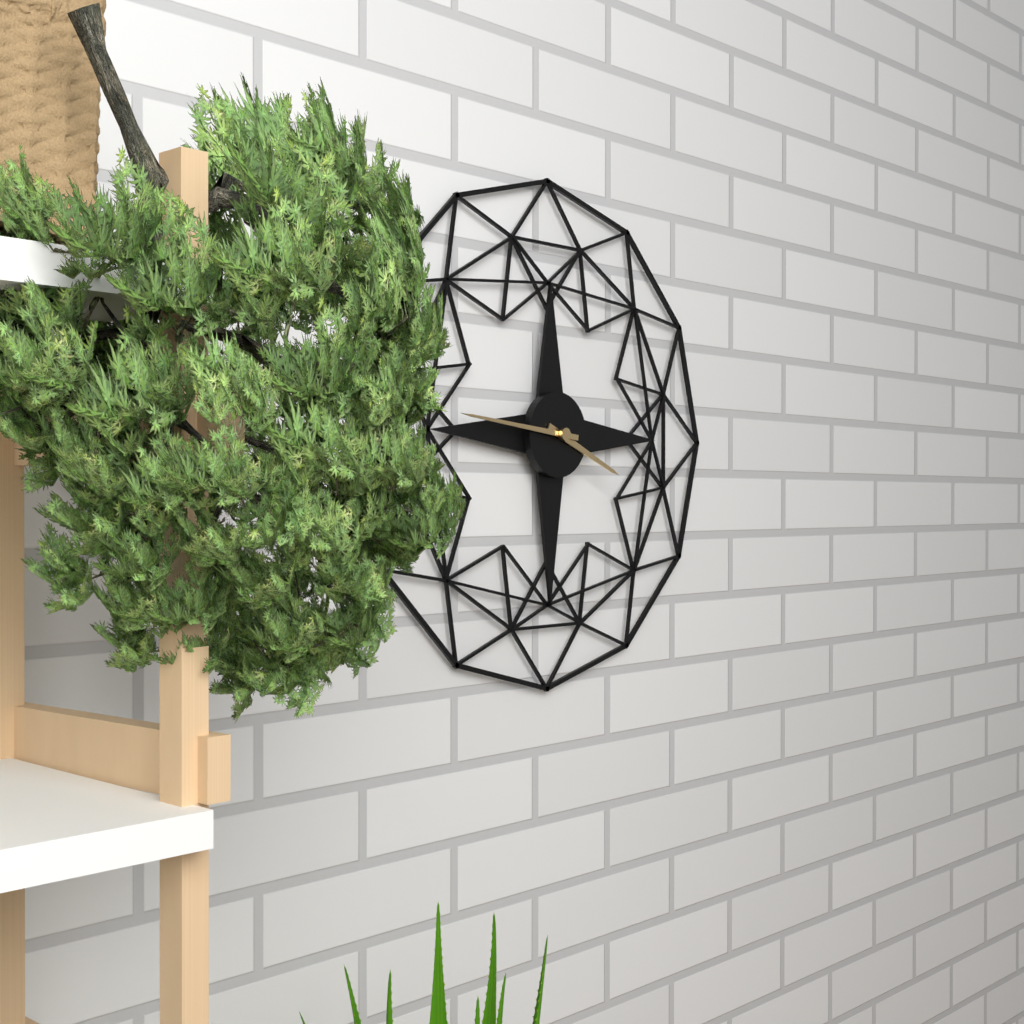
**3:46**
